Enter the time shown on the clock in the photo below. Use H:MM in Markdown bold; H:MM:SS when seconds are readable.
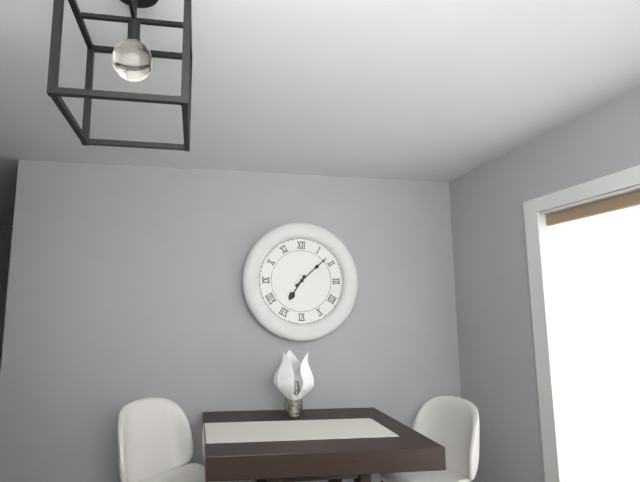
**7:08**
